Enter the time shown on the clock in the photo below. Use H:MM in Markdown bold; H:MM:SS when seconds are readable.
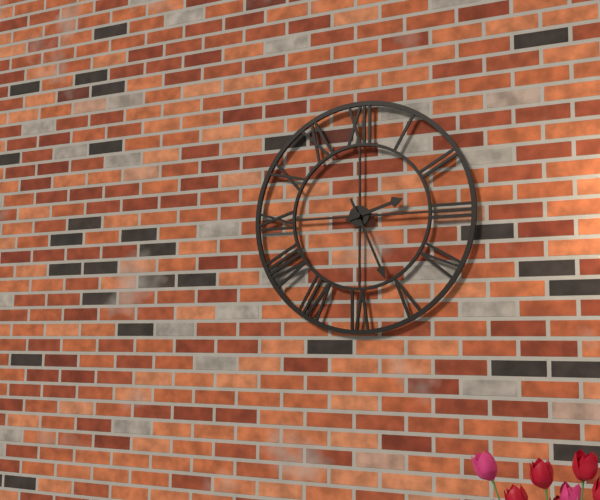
**2:26**
